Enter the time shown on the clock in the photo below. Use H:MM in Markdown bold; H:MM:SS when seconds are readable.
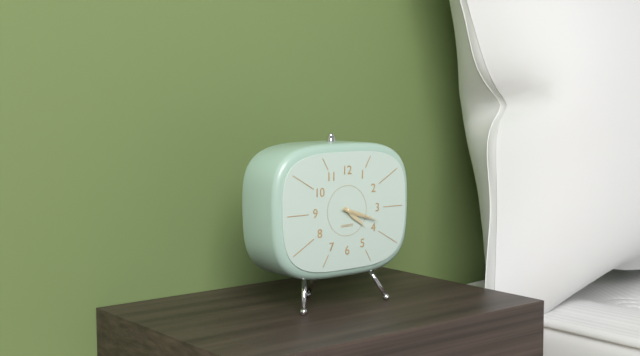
**4:18**
